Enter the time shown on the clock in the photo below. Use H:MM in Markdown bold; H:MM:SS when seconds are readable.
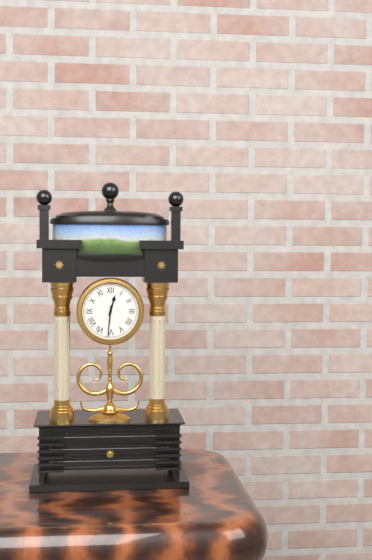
**12:31**
